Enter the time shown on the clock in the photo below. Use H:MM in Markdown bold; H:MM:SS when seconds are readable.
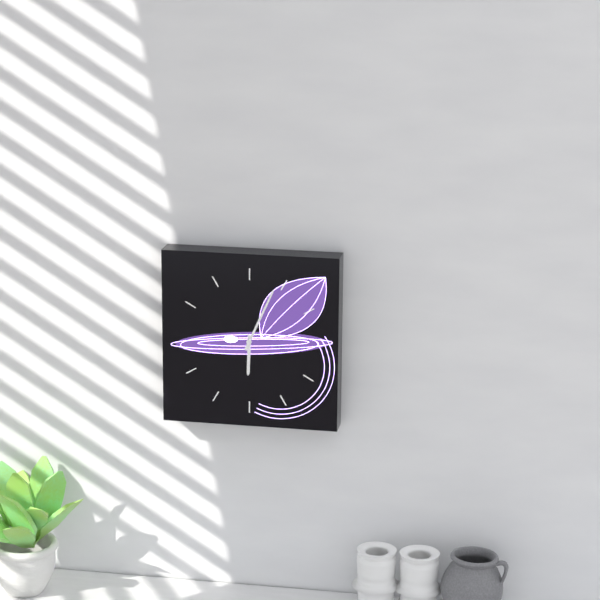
**6:04**
